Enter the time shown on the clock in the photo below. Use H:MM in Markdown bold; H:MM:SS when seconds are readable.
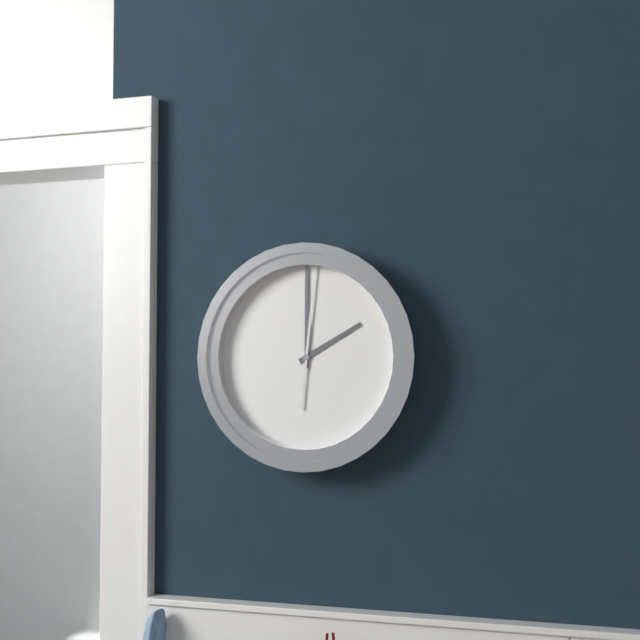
**2:00:01**
